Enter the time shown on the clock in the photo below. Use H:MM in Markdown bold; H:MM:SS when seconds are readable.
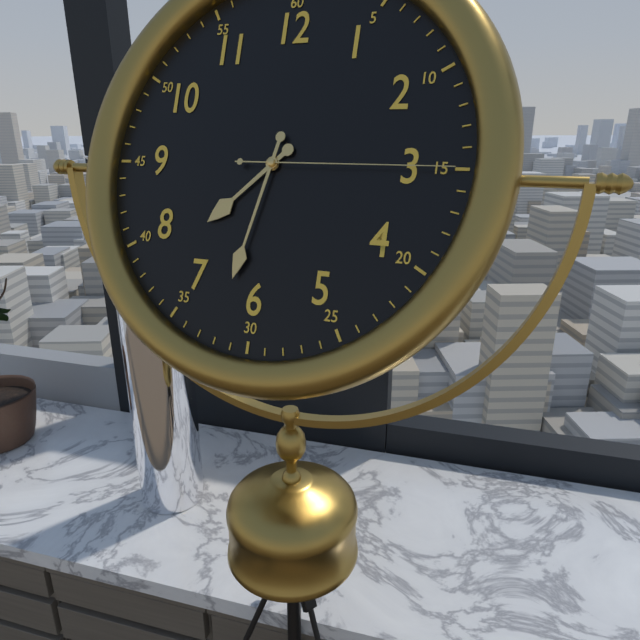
**7:32:15**
